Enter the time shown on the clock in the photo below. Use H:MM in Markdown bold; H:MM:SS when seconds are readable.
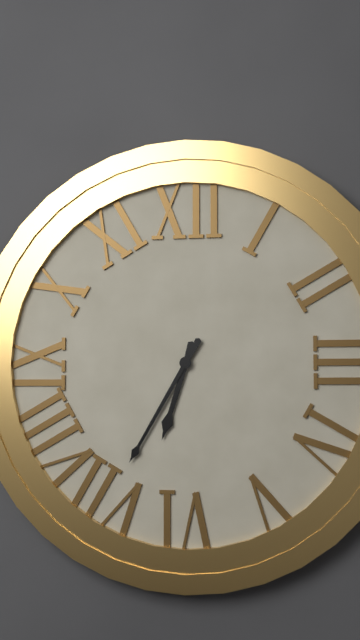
**6:35**
